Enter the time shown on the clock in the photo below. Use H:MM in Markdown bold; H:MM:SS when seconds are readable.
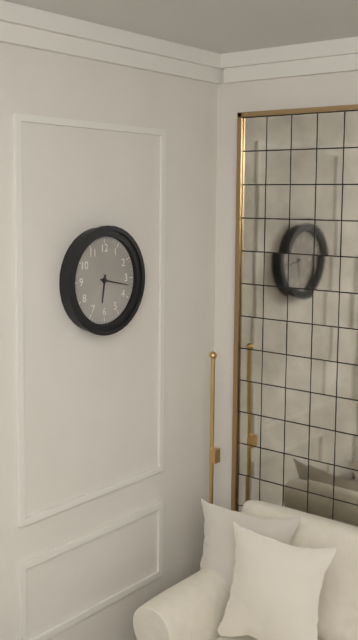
**6:17**
